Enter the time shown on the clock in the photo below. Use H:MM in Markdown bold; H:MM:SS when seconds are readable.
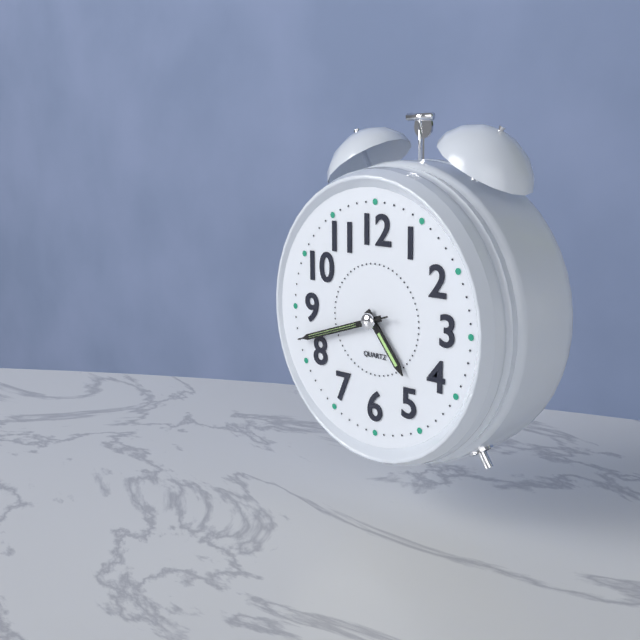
**4:42:42**
